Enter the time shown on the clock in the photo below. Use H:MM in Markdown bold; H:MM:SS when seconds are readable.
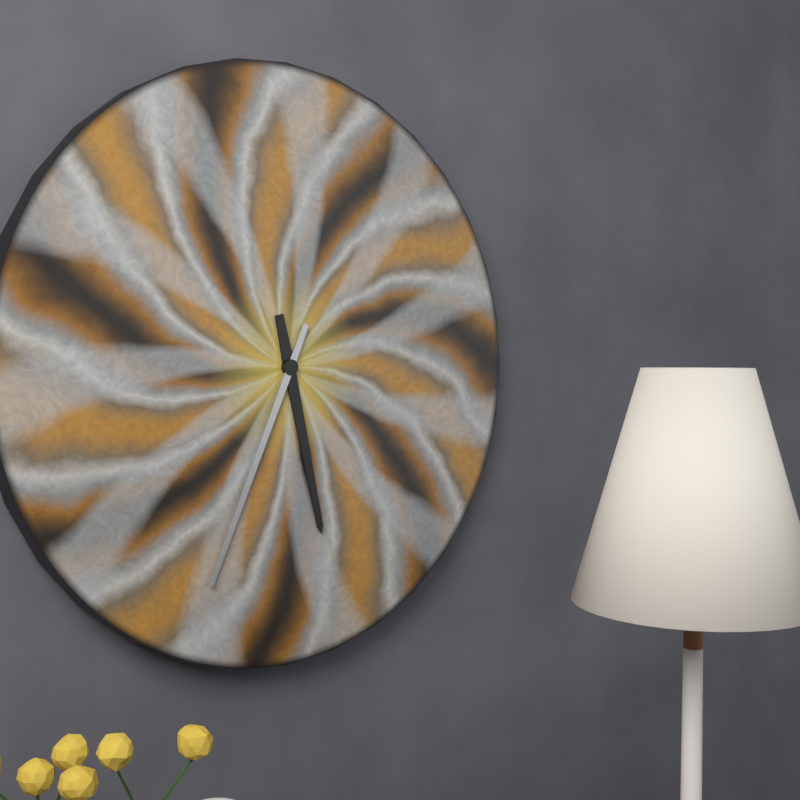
**5:34**
